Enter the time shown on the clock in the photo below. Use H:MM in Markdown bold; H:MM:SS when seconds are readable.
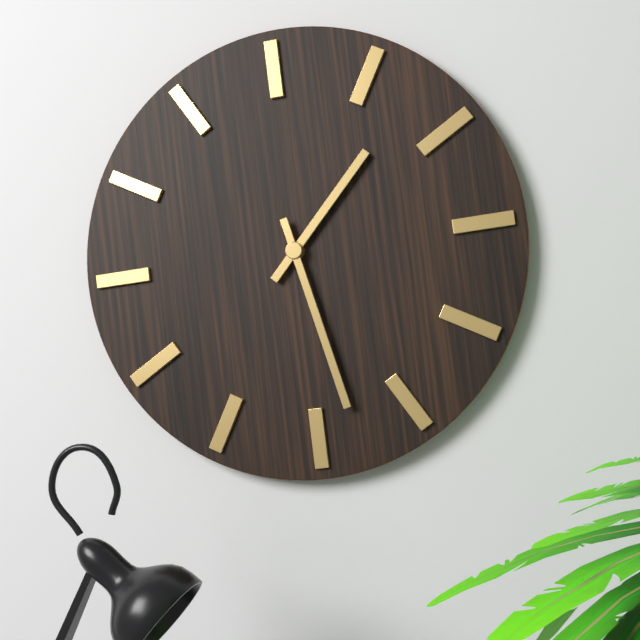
**1:28**
